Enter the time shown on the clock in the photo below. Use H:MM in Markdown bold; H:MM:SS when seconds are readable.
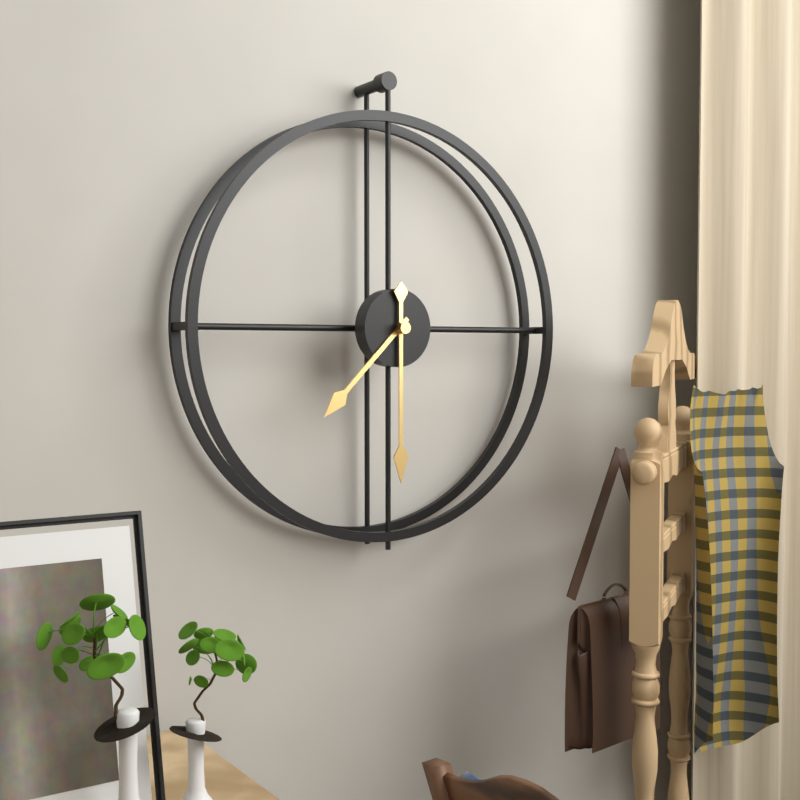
**7:30**
